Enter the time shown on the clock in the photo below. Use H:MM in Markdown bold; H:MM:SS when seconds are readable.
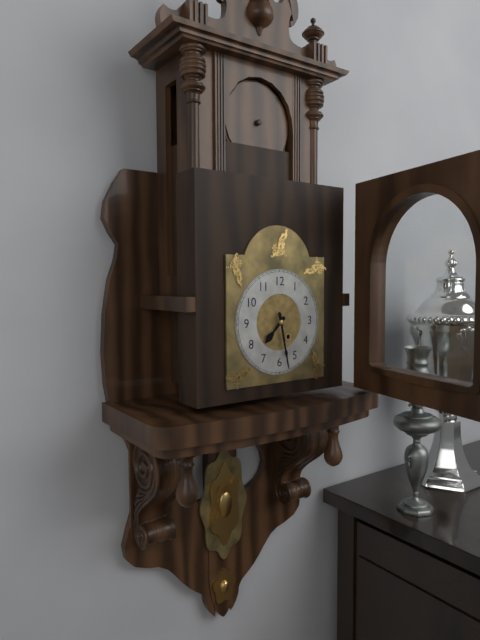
**7:28**
